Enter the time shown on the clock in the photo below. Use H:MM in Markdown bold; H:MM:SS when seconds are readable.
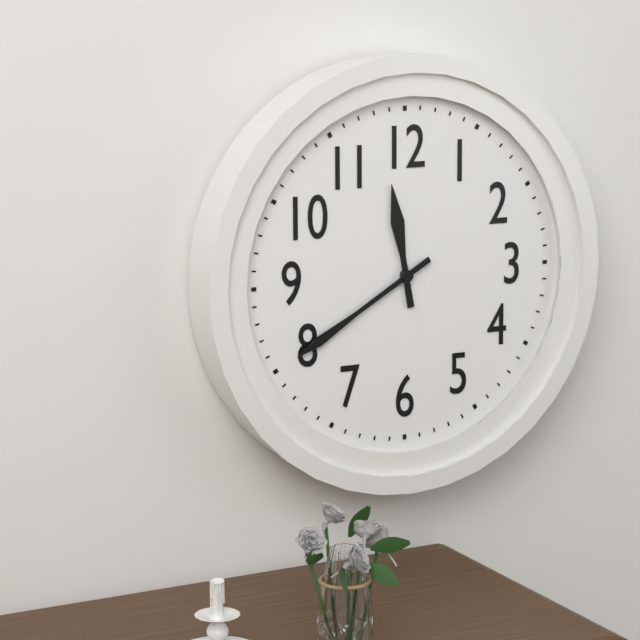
**11:40**
